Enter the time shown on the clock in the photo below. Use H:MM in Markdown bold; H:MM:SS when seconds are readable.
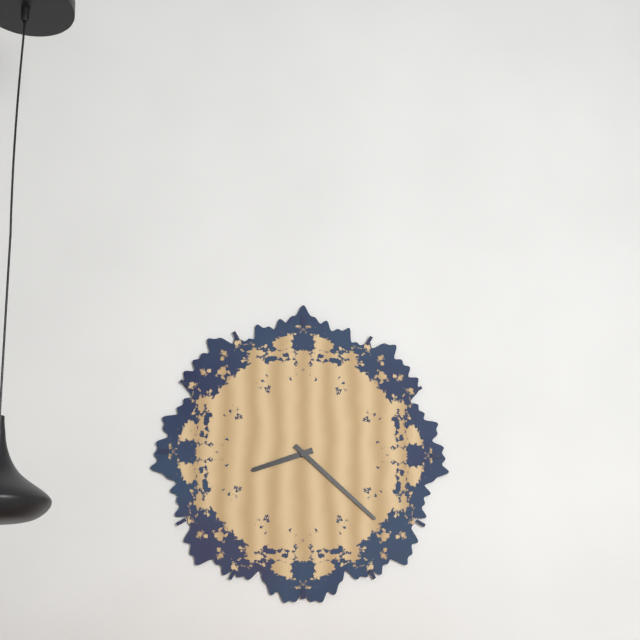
**8:22**
